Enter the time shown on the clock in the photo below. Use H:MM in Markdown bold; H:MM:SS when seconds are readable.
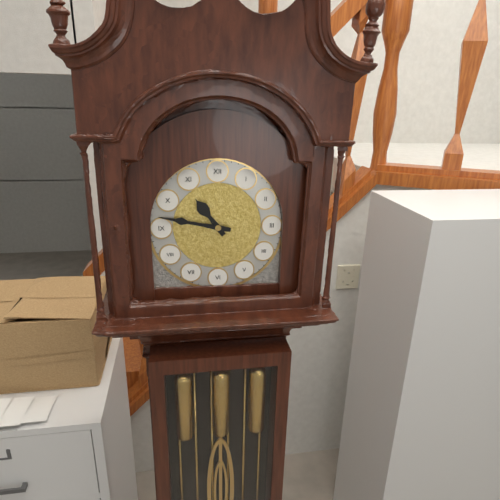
**10:47**
